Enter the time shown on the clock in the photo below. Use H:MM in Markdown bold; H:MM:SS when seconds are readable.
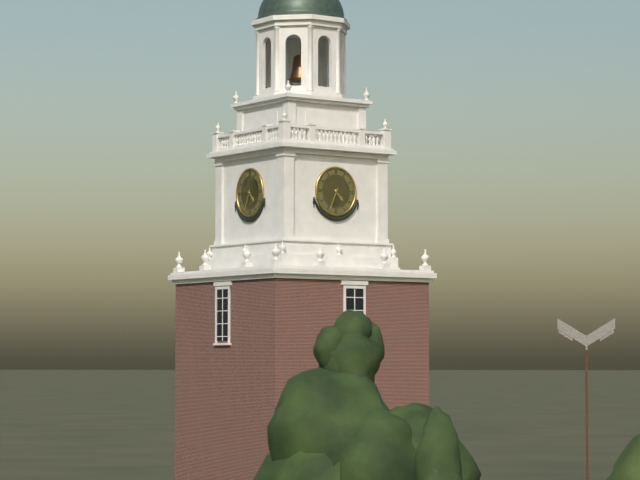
**4:34**
